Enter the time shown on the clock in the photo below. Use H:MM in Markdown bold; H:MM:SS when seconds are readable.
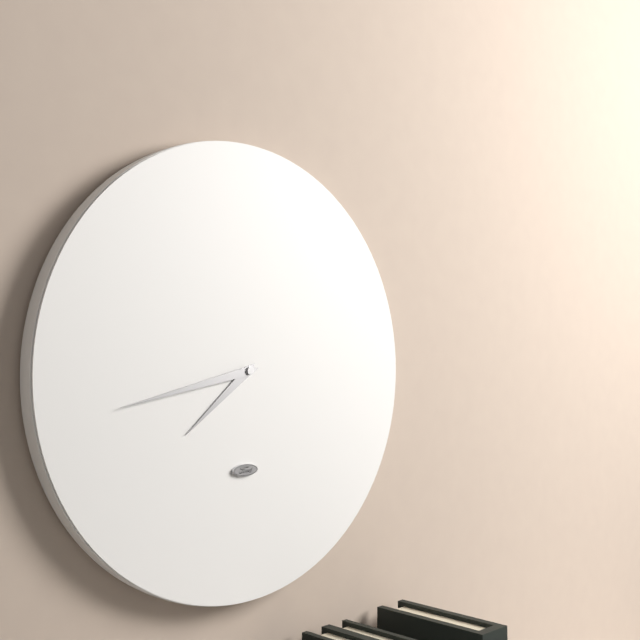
**7:43**
